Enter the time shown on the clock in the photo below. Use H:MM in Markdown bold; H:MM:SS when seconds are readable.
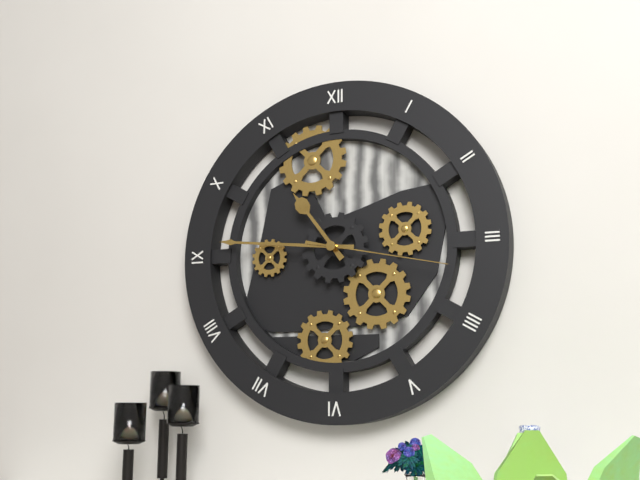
**10:46:17**
